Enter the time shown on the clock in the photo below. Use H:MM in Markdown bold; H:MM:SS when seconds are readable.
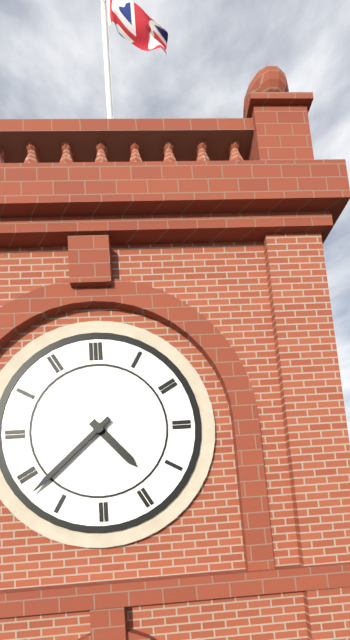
**4:38**
